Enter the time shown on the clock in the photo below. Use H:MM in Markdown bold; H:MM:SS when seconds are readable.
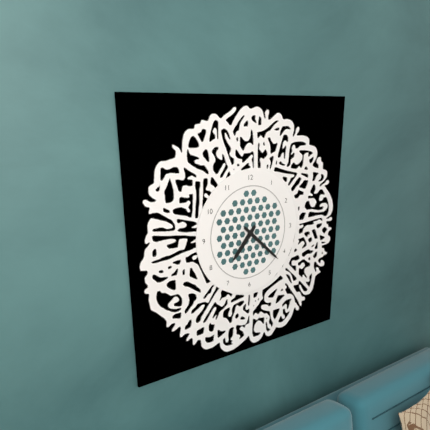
**7:22**
